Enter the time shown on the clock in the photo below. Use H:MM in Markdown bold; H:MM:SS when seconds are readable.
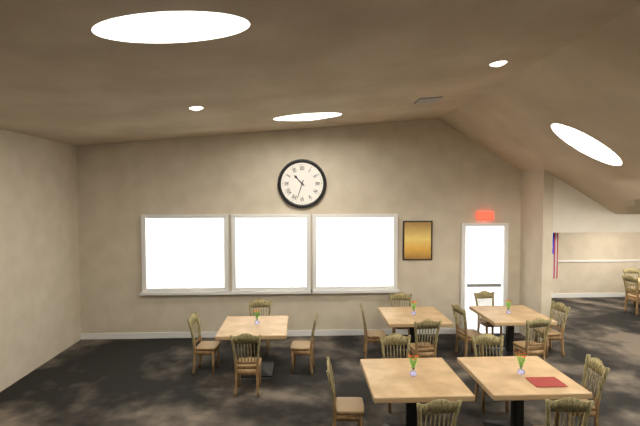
**10:33**
